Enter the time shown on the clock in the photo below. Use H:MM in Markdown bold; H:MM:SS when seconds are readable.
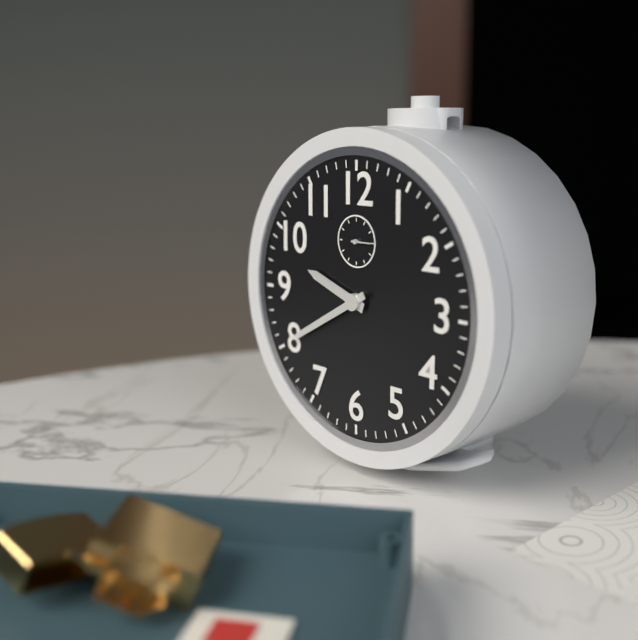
**9:40**
